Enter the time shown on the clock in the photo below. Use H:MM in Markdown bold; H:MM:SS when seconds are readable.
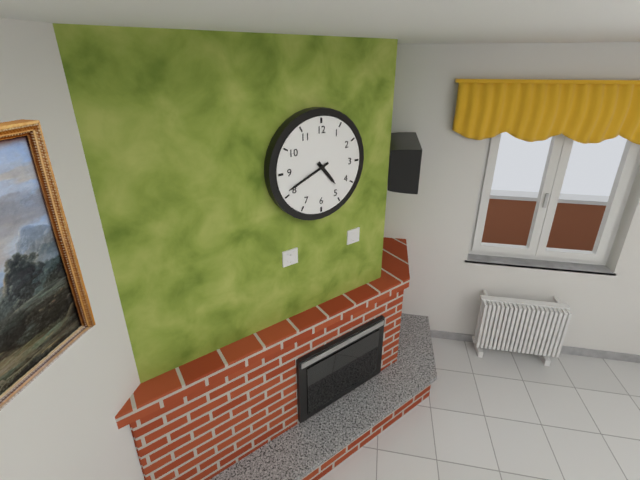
**4:41**
